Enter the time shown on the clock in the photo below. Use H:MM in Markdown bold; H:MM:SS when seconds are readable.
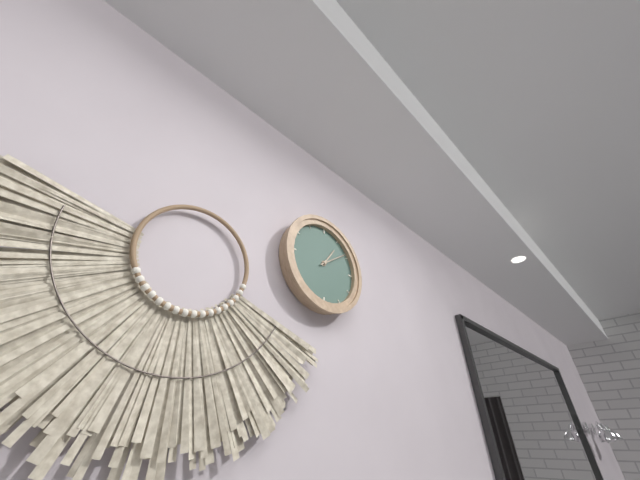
**1:09**
